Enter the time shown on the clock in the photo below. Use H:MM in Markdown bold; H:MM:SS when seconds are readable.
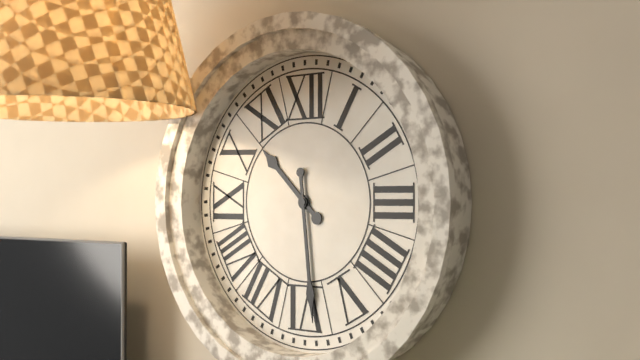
**10:29**
